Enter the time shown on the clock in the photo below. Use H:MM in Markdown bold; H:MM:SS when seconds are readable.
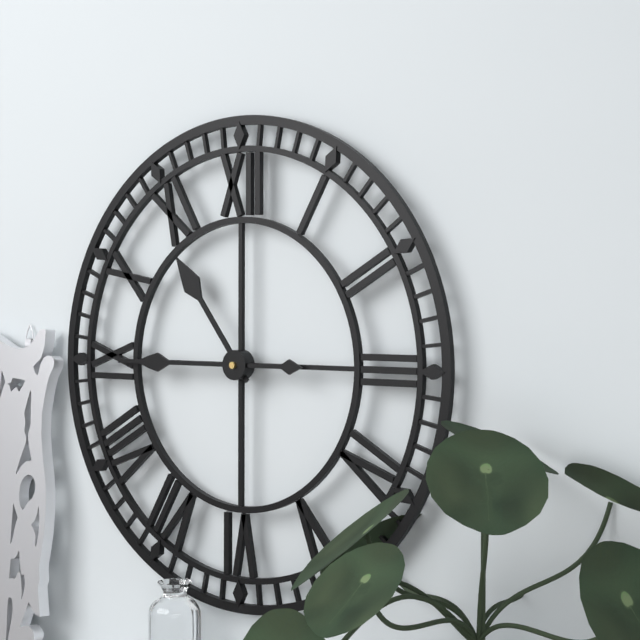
**10:45**
